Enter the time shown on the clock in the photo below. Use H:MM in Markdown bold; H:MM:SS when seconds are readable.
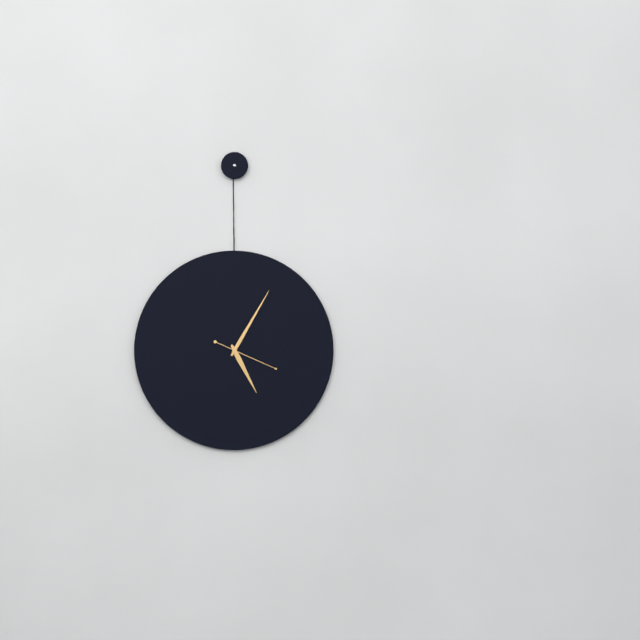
**5:05:19**
